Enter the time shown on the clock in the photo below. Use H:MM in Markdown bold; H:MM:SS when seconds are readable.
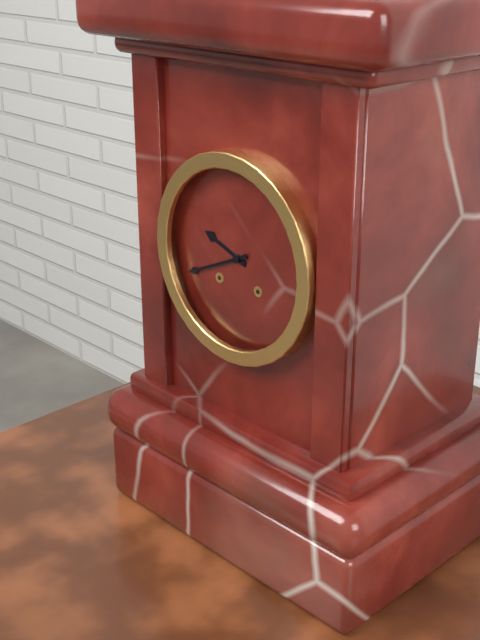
**9:41**
